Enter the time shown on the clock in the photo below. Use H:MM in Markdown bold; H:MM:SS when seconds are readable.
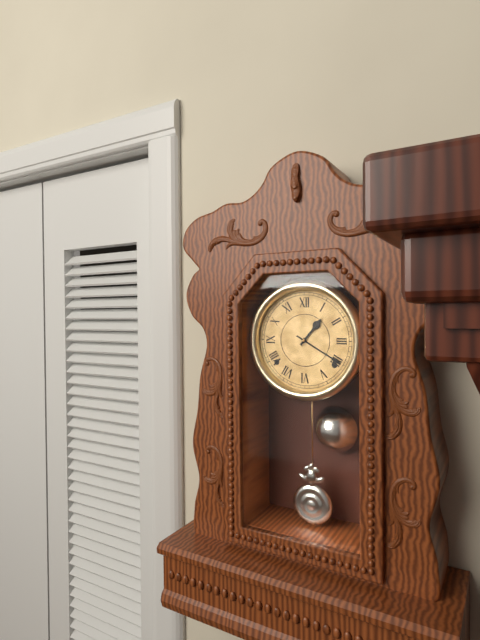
**1:20**
